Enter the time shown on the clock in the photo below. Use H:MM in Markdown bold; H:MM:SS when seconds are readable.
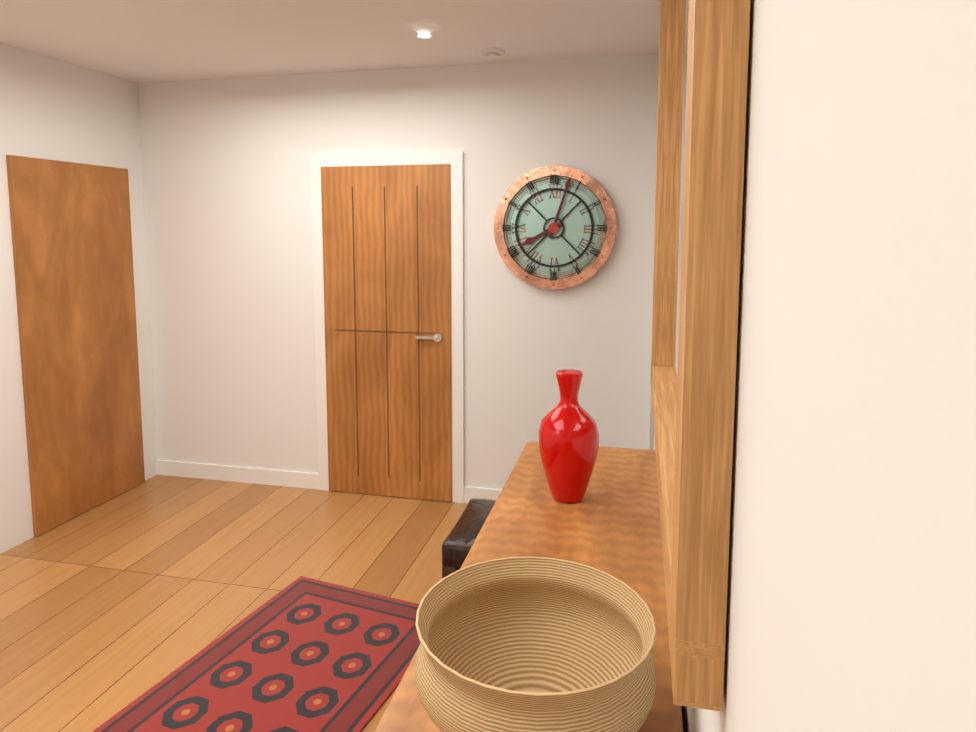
**8:03**
